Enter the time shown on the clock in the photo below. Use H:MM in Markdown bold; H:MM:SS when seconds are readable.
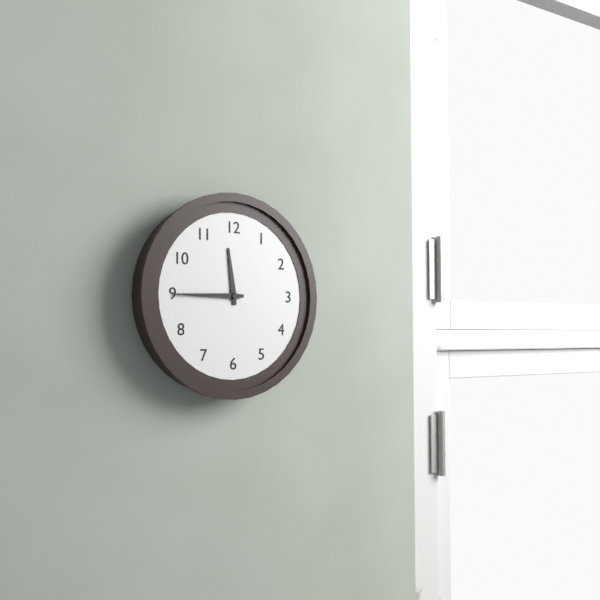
**11:45**
